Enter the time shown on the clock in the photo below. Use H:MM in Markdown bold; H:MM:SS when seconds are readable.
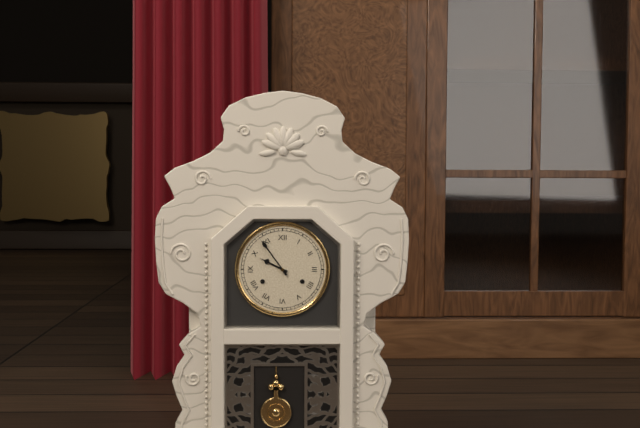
**9:54**
